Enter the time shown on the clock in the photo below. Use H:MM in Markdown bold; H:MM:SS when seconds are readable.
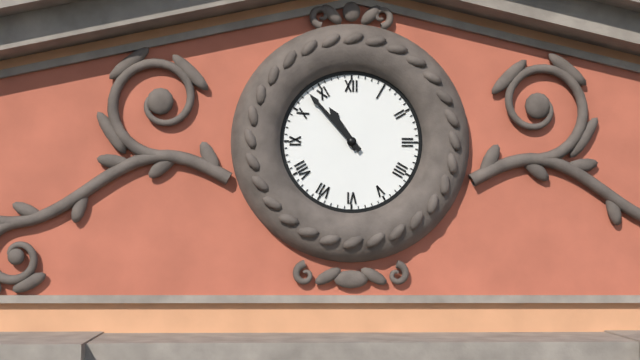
**10:53**
